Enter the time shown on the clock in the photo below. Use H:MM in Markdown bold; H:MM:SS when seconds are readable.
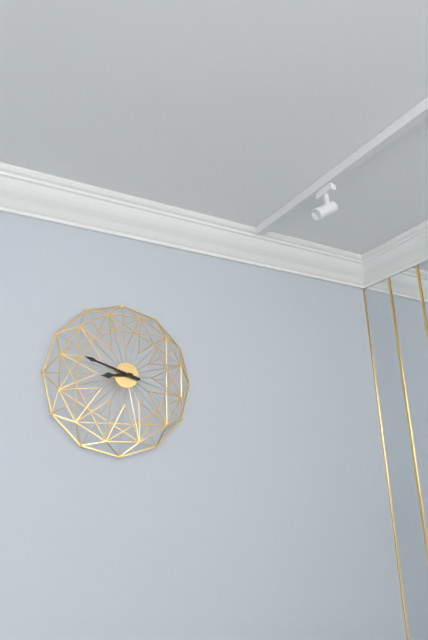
**8:48**
